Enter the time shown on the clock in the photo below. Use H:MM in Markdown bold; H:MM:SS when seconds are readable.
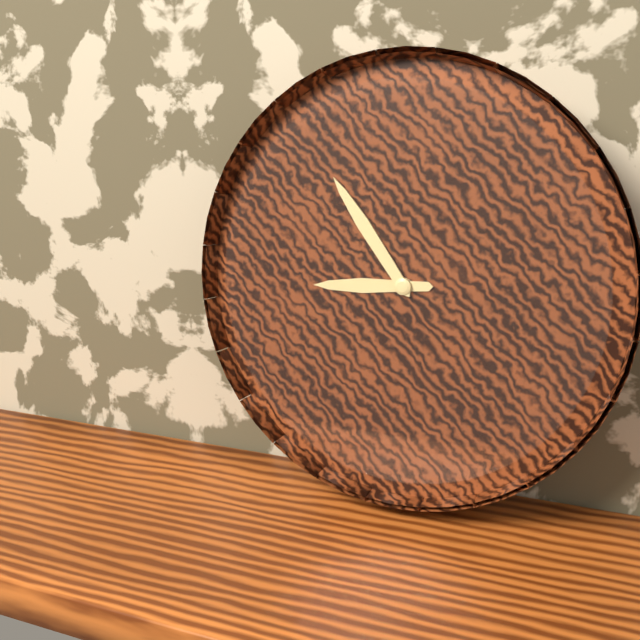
**8:54**
